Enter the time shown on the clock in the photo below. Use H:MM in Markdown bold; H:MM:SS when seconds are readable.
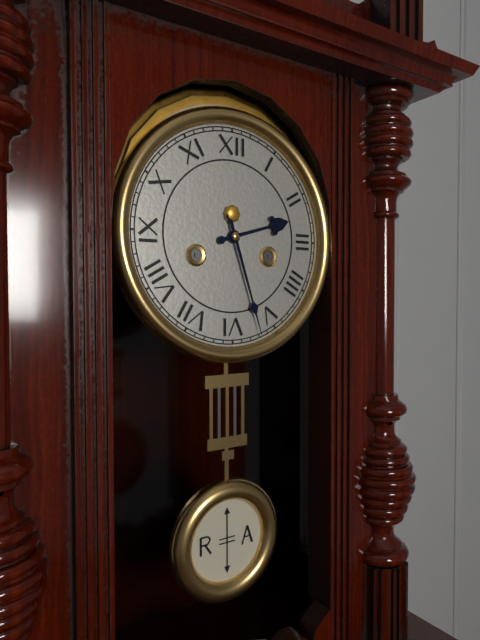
**2:27**
